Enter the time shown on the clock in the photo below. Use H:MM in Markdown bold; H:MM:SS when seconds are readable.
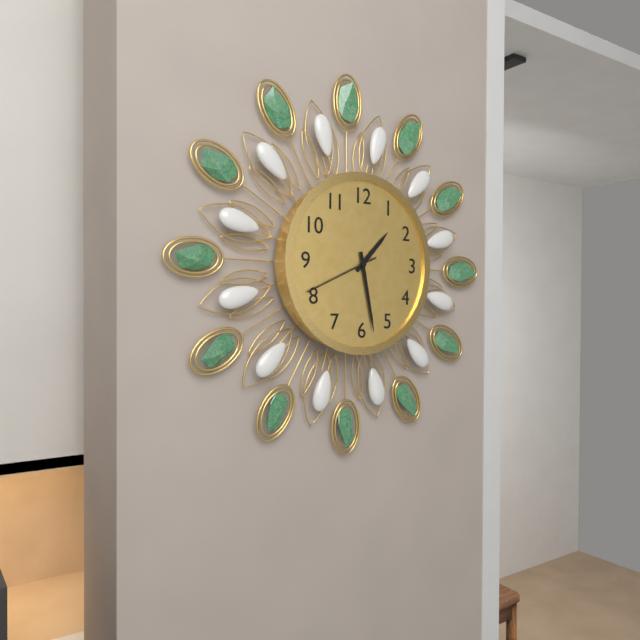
**1:28:41**
